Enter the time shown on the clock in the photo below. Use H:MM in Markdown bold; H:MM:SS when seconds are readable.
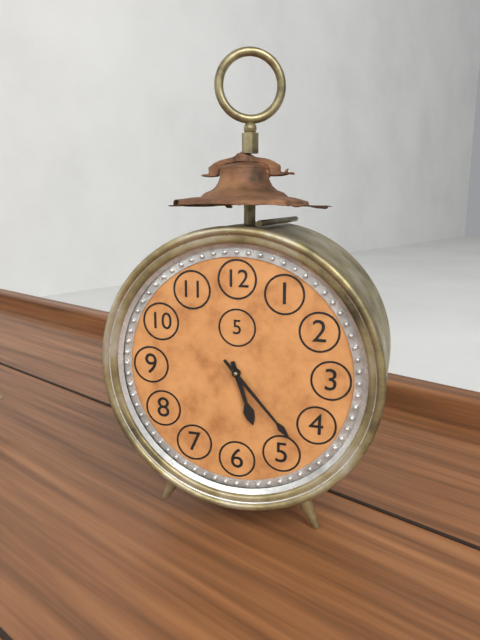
**5:23**
